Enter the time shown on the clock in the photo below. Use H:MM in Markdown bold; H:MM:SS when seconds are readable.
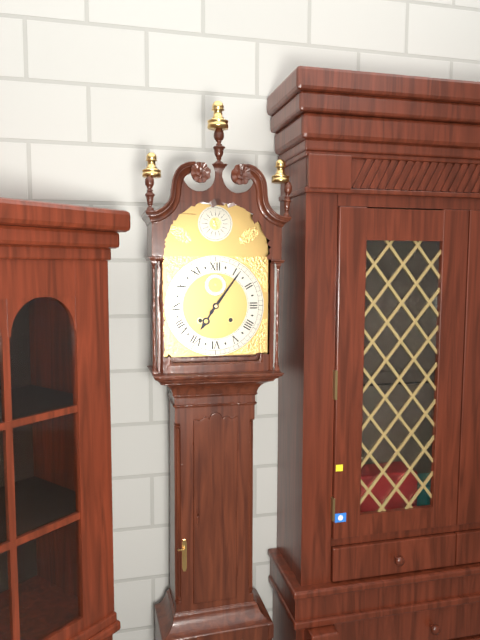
**7:06**
